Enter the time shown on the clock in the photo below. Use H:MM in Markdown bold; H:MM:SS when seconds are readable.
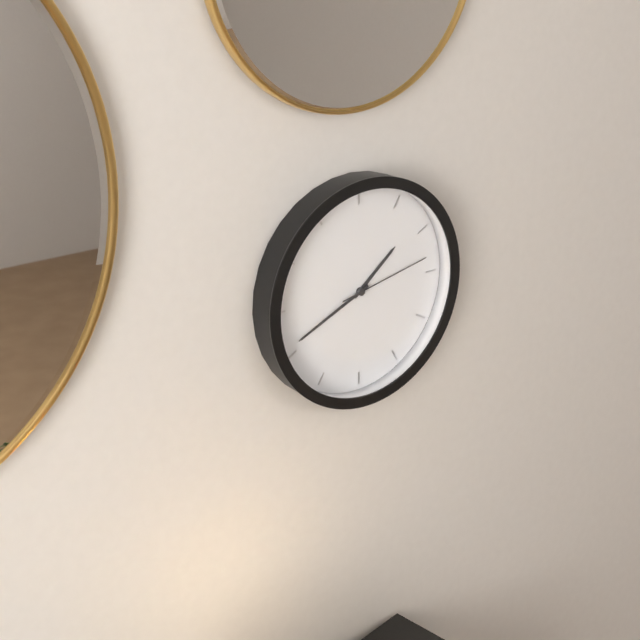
**1:41:13**
